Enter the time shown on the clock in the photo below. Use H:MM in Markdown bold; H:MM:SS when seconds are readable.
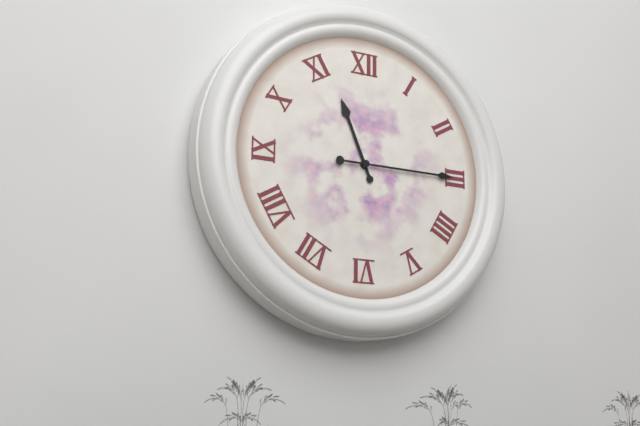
**11:15**
